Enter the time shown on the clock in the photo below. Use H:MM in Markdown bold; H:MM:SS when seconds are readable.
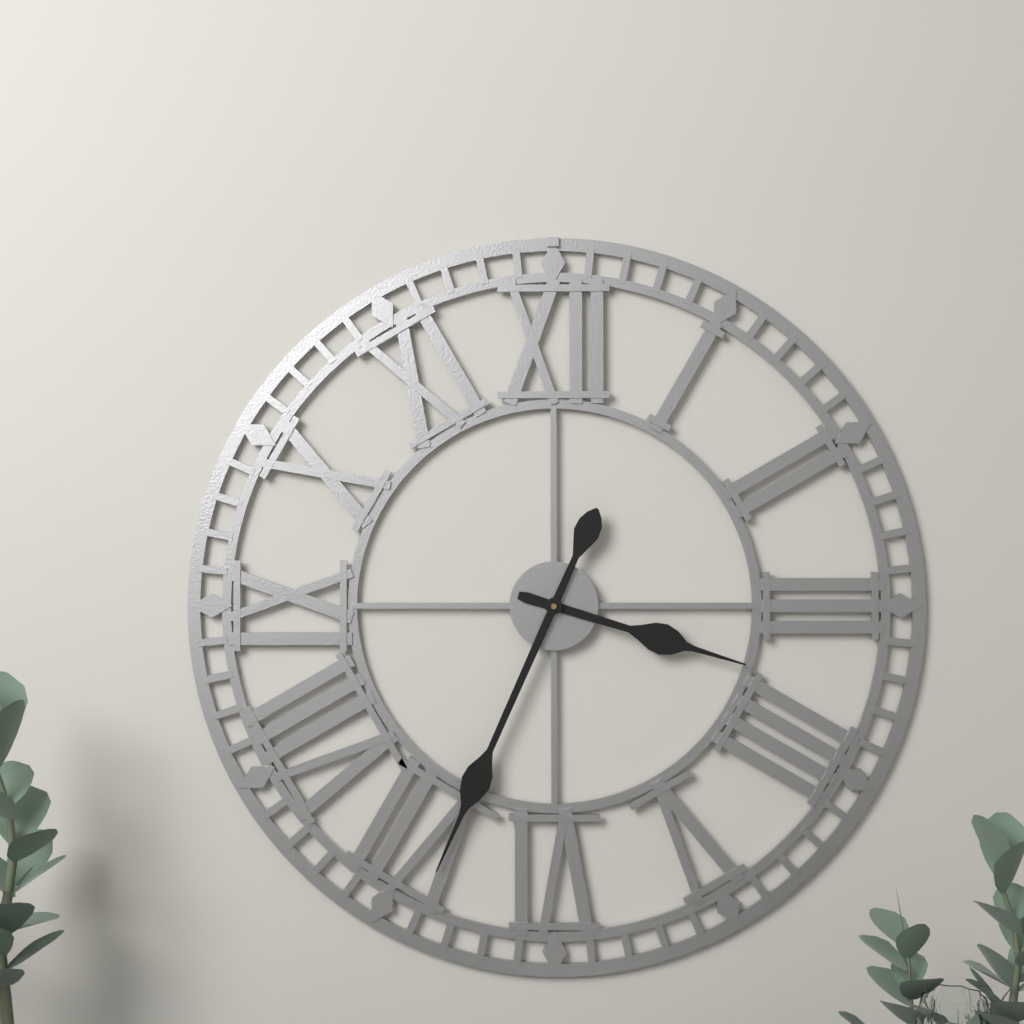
**3:34**
